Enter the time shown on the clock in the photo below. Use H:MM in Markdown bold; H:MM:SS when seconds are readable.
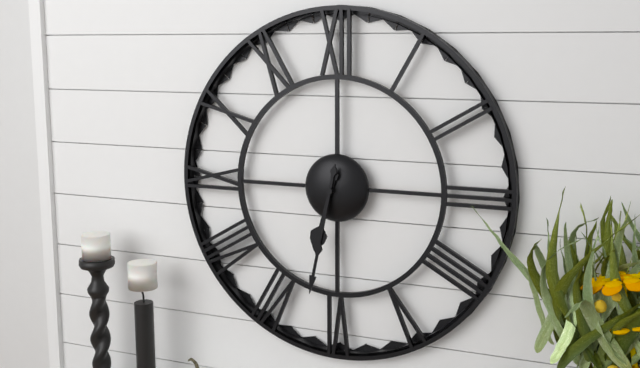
**6:32**
